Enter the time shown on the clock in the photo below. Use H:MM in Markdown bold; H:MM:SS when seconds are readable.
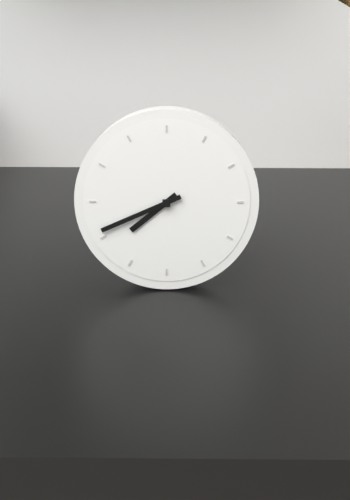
**7:41**
